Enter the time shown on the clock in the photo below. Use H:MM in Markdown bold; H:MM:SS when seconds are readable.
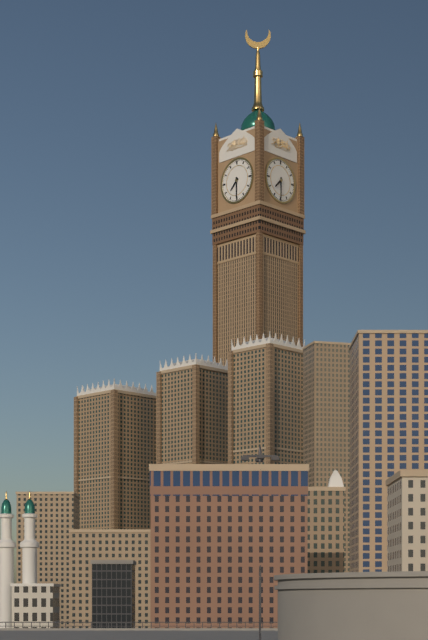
**7:30**
